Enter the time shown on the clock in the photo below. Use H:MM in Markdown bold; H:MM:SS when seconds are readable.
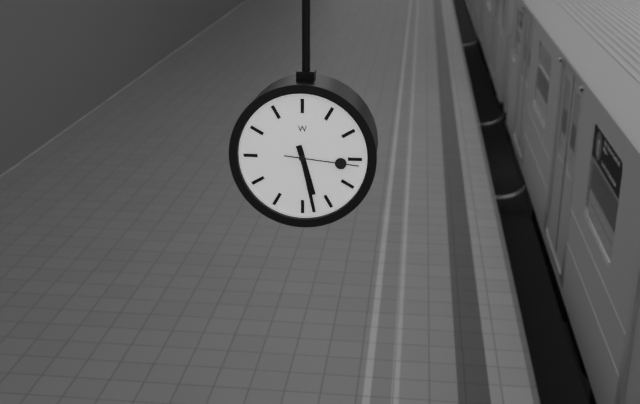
**5:28:16**
